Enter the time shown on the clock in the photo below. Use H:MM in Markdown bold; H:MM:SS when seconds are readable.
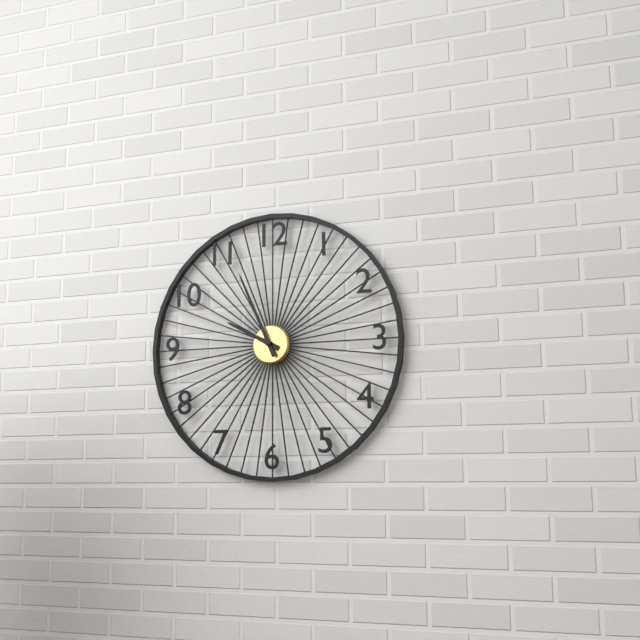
**9:56**
